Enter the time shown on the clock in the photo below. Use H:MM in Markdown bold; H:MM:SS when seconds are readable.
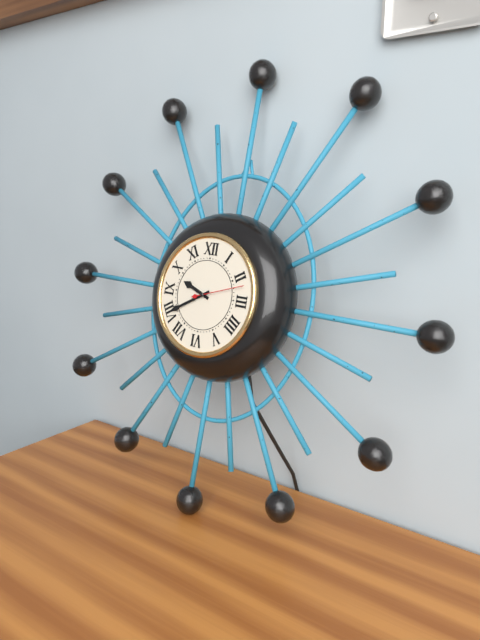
**9:40:12**
